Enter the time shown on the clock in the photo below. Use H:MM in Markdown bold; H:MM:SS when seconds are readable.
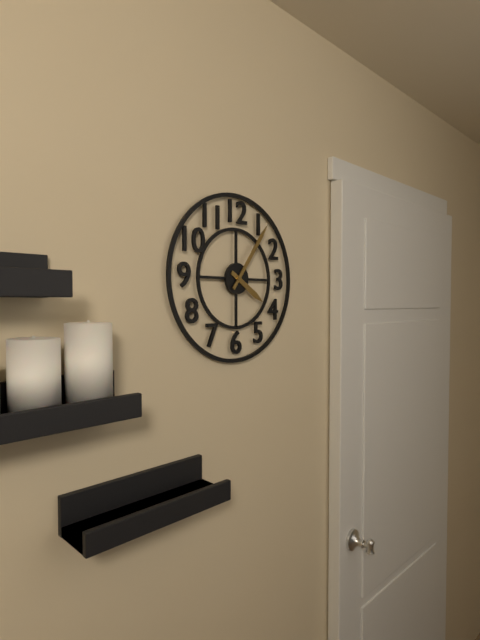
**4:06**
